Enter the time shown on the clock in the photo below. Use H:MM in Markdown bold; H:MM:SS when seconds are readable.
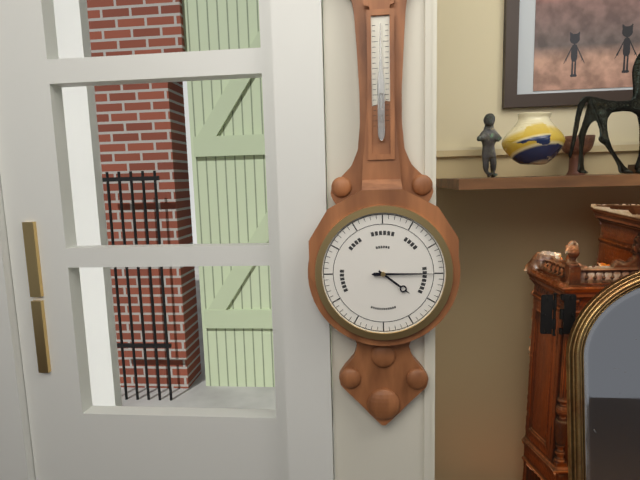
**4:15**
